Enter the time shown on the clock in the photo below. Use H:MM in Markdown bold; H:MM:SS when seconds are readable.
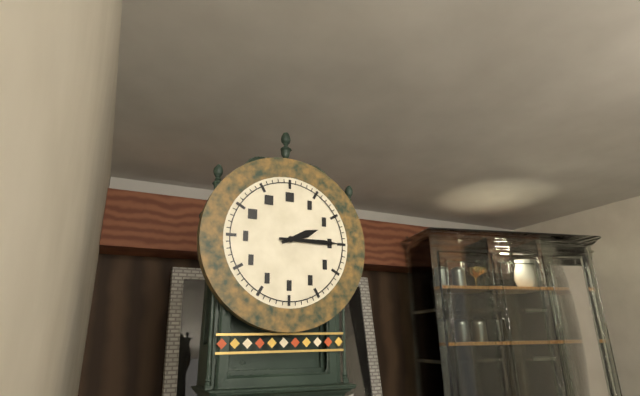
**2:15**
